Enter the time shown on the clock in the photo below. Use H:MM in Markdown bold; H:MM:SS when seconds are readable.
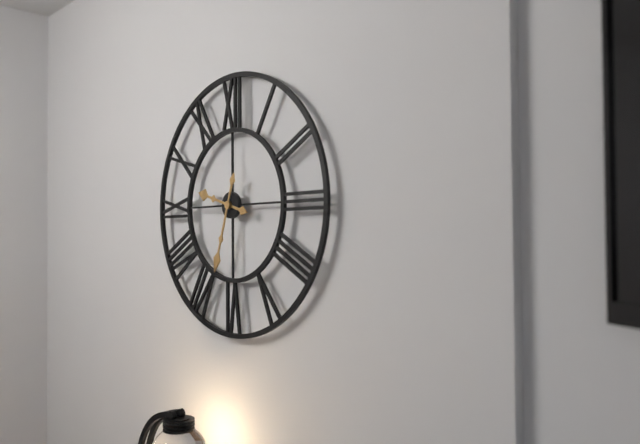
**9:33**
